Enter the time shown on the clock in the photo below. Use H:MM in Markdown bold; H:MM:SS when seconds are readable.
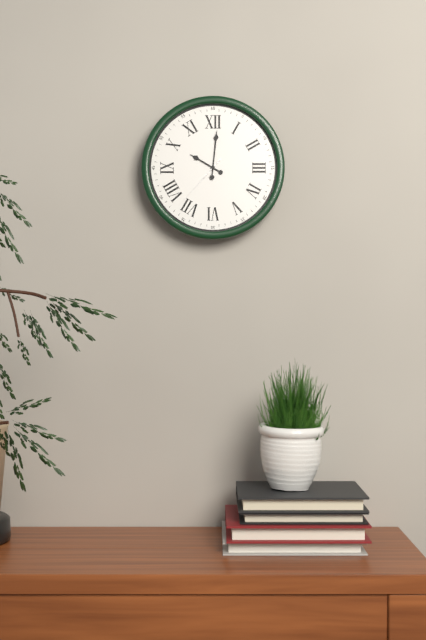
**10:01:37**
